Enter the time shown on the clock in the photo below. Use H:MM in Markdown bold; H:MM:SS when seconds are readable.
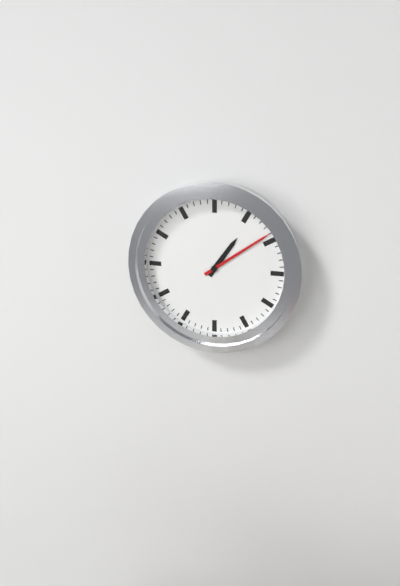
**1:09**
